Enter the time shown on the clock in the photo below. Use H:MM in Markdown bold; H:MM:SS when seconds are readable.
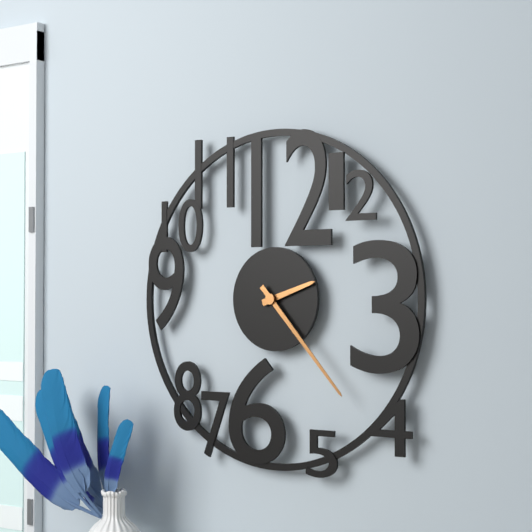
**2:23**
